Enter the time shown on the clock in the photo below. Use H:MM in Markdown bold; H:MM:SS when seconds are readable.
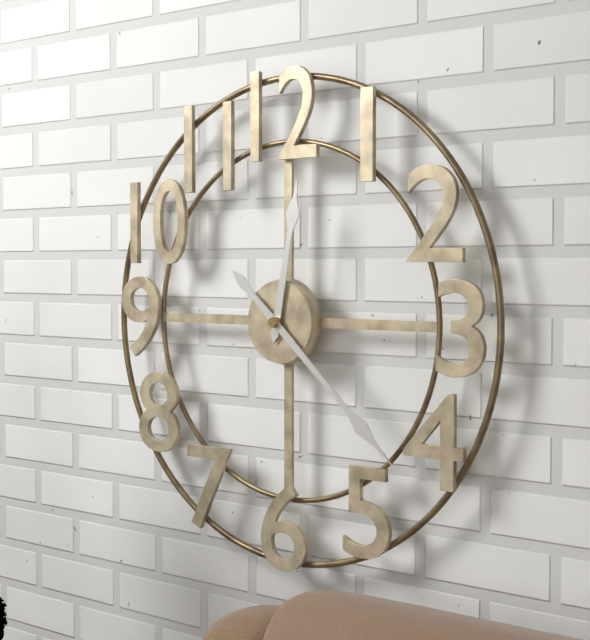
**12:22**
